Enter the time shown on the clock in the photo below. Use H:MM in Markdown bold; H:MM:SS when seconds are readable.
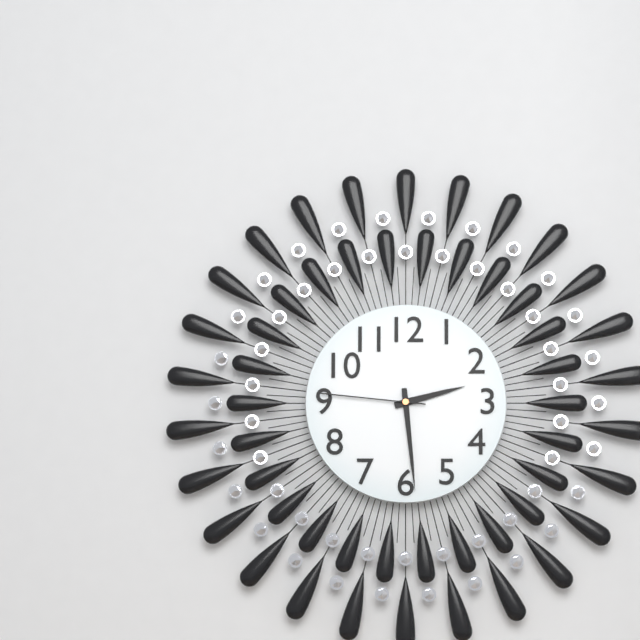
**2:29:46**
